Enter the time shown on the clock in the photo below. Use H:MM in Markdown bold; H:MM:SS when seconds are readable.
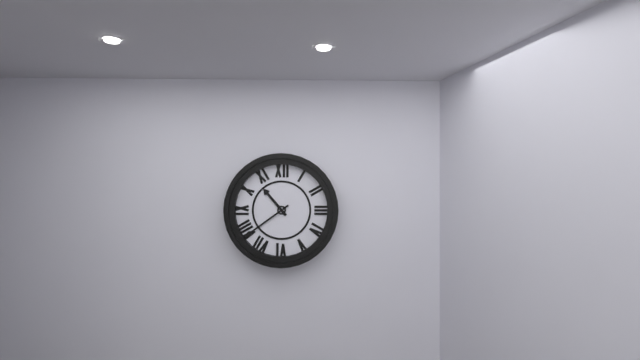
**10:39**
